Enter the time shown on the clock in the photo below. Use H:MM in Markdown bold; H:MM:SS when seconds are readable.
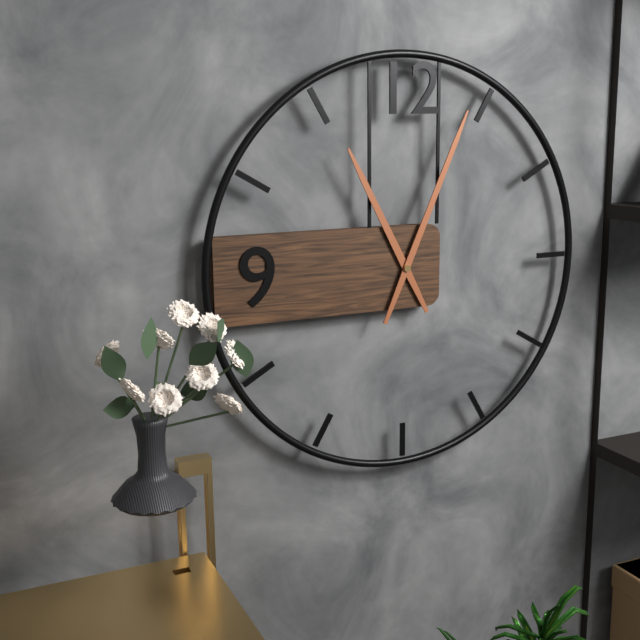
**11:04**
